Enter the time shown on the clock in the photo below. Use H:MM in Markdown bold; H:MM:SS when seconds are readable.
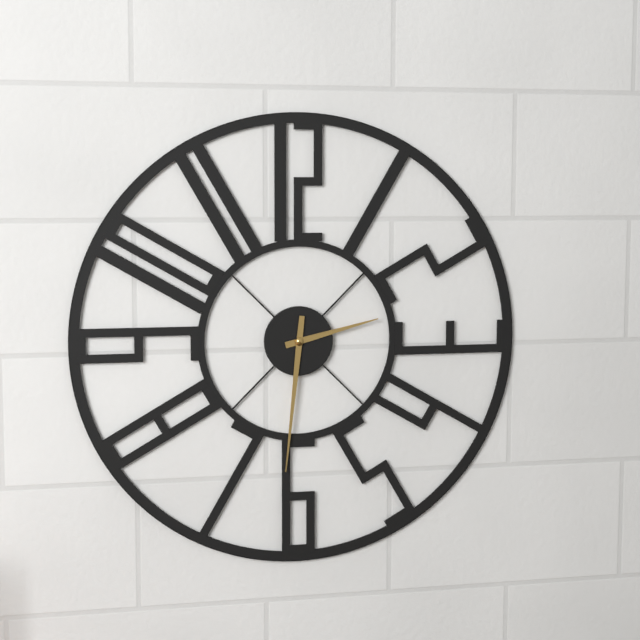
**2:31**
